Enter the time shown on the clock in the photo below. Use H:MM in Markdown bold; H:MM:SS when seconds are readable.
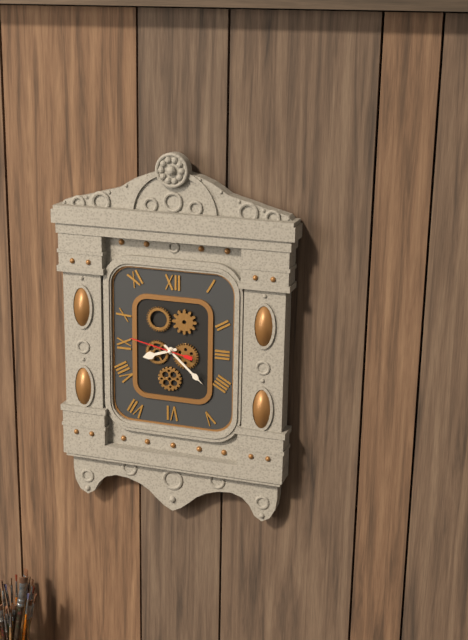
**8:22:47**
